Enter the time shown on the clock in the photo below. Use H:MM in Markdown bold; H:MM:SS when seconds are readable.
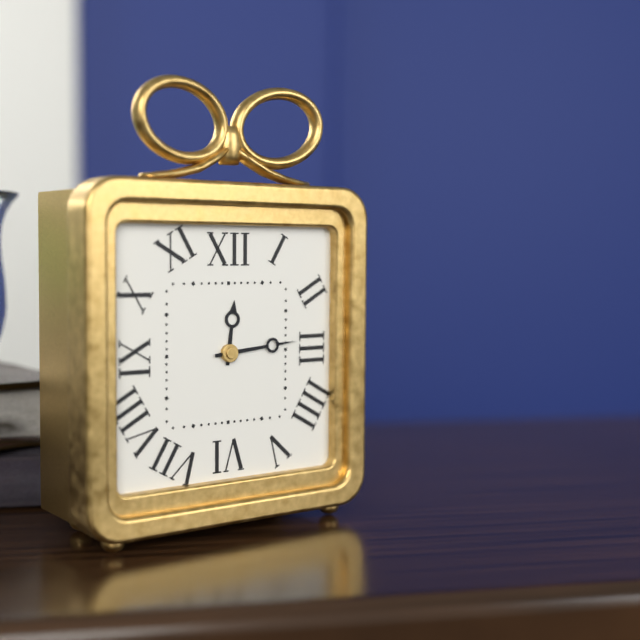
**12:14**
